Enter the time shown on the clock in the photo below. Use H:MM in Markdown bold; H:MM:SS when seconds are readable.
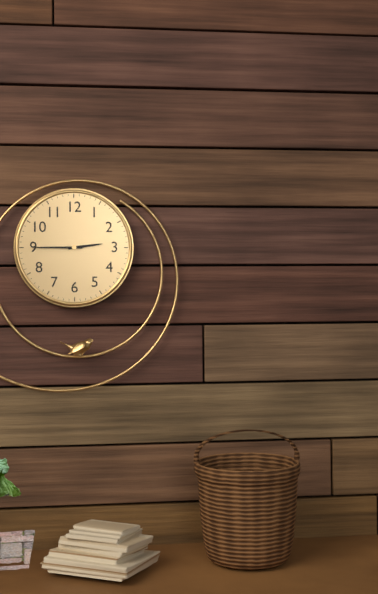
**2:45**
